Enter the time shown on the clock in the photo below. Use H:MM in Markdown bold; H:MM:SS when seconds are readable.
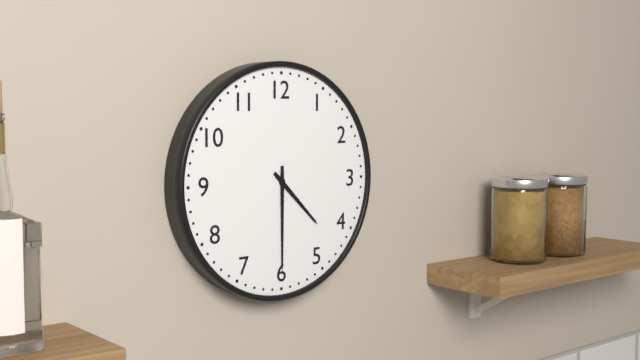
**4:30**
